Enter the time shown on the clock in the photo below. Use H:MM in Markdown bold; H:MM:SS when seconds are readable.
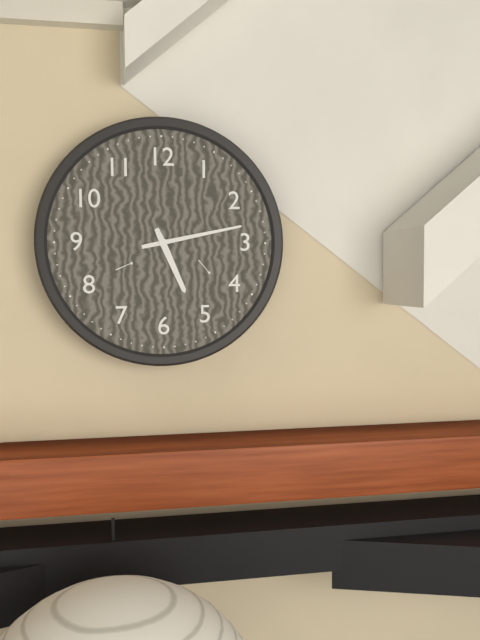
**5:13**
